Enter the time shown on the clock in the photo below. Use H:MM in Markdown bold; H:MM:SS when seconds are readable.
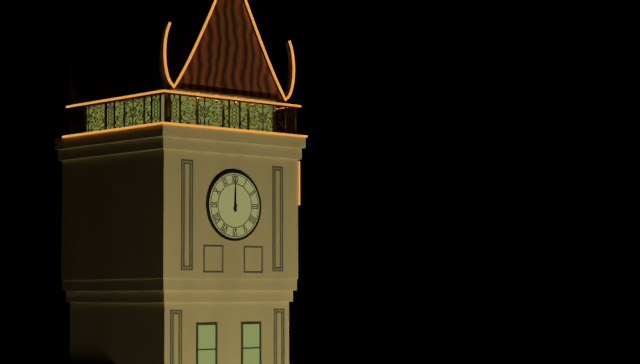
**12:00**
